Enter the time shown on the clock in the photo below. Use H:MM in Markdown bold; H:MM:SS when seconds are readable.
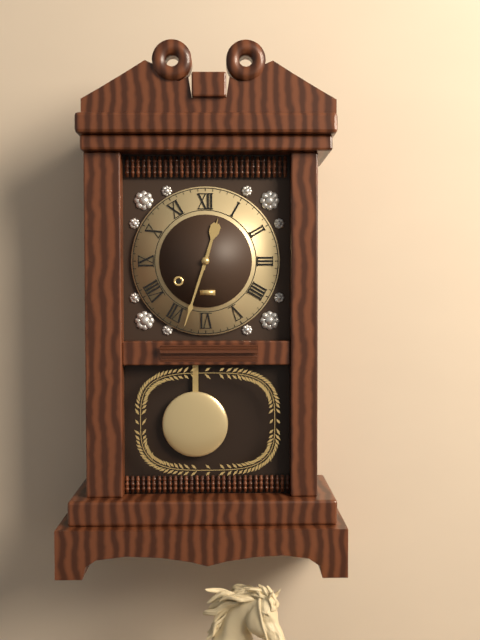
**12:33**
